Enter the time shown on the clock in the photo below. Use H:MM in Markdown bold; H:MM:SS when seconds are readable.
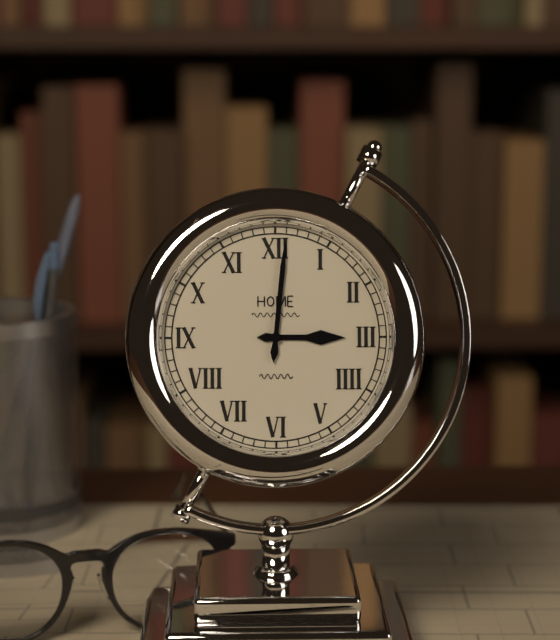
**3:01**
